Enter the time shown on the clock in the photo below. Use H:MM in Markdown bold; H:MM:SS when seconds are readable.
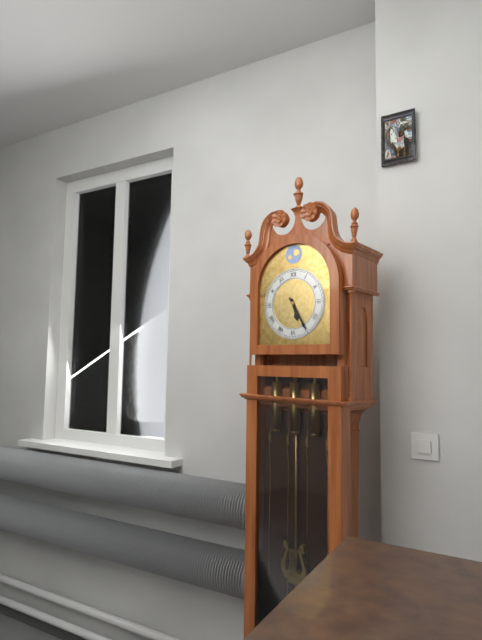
**5:25**
